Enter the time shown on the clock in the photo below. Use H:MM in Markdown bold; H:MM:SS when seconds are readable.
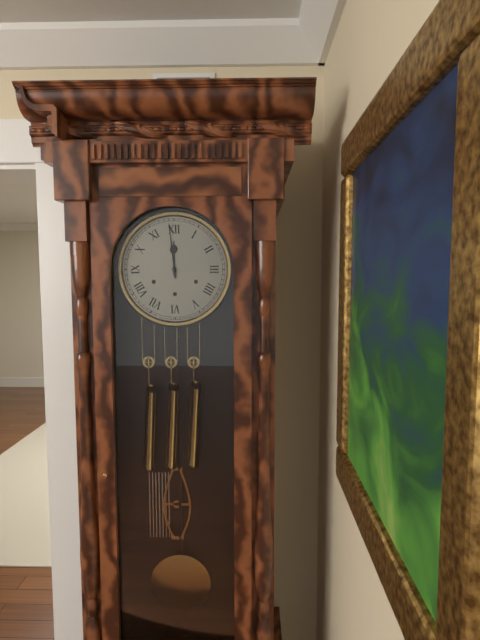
**11:59**
